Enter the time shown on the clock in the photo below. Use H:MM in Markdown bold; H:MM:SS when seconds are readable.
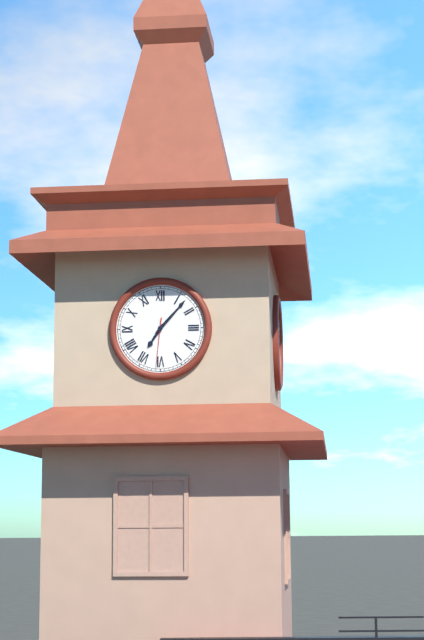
**7:07**
